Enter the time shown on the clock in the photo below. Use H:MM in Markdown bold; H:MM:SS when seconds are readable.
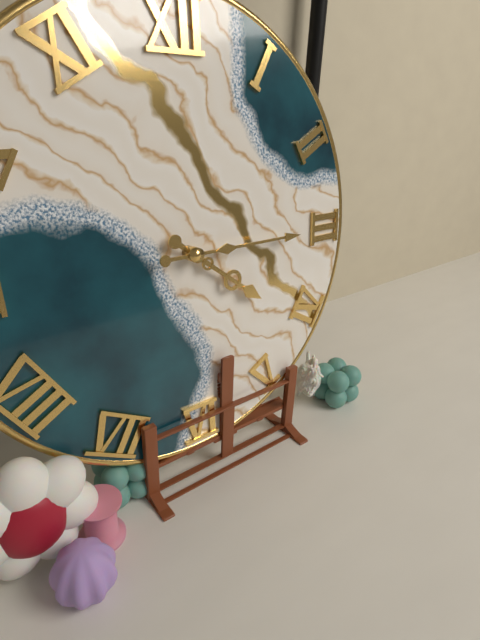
**4:15**
